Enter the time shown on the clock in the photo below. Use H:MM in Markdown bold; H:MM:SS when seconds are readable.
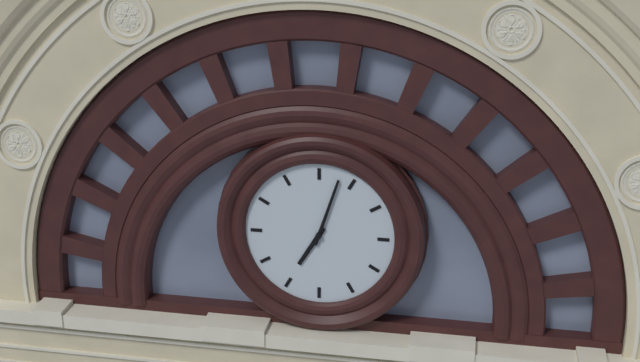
**7:03**
